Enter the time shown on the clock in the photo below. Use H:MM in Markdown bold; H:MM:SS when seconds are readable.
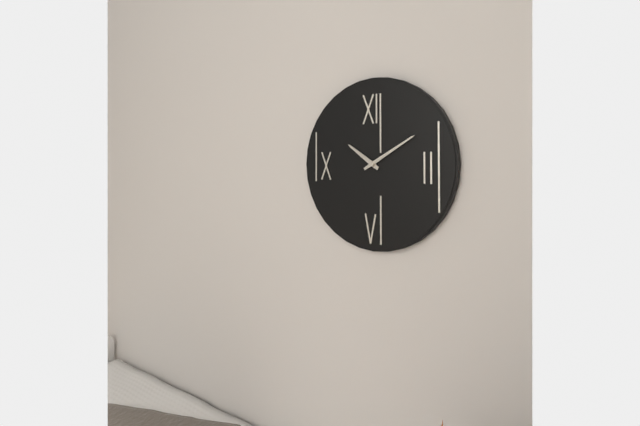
**10:10**
